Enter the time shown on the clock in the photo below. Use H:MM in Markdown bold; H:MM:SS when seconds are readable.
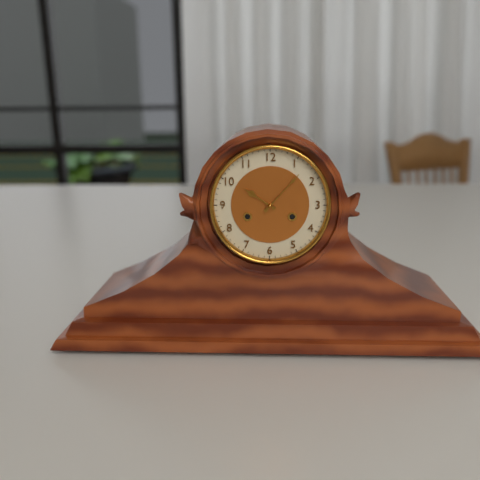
**10:07**
